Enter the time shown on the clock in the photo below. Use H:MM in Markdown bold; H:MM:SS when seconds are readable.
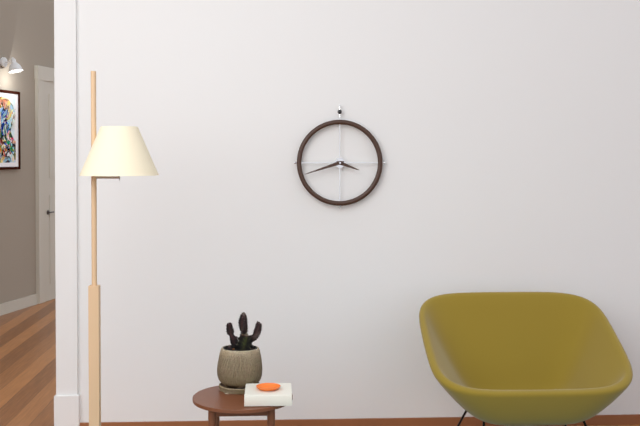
**3:42**
